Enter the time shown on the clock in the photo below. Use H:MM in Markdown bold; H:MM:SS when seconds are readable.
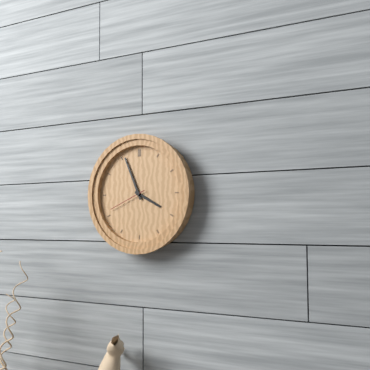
**3:56**
